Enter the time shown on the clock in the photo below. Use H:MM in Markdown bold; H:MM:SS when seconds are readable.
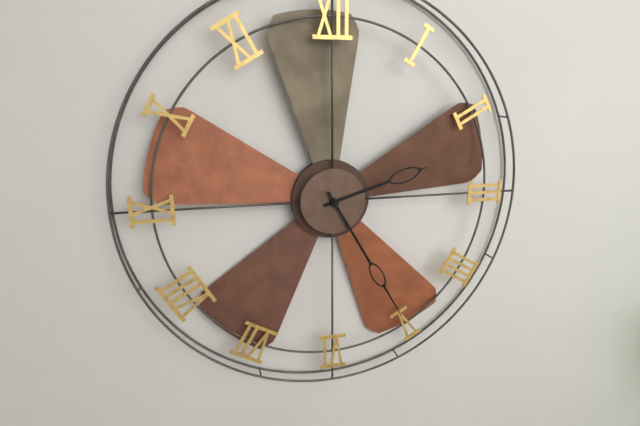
**2:25**
